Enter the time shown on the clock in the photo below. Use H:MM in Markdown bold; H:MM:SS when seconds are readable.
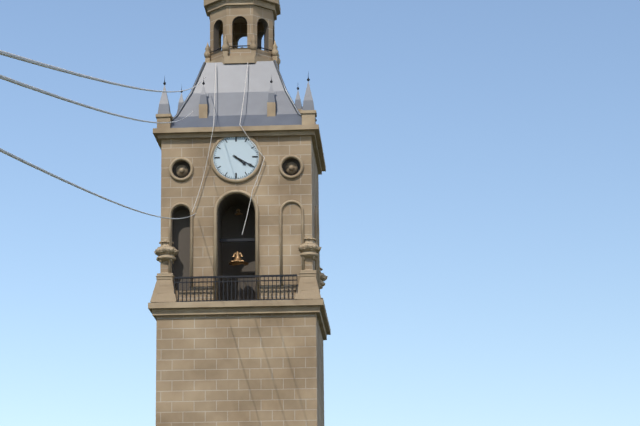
**4:20**
